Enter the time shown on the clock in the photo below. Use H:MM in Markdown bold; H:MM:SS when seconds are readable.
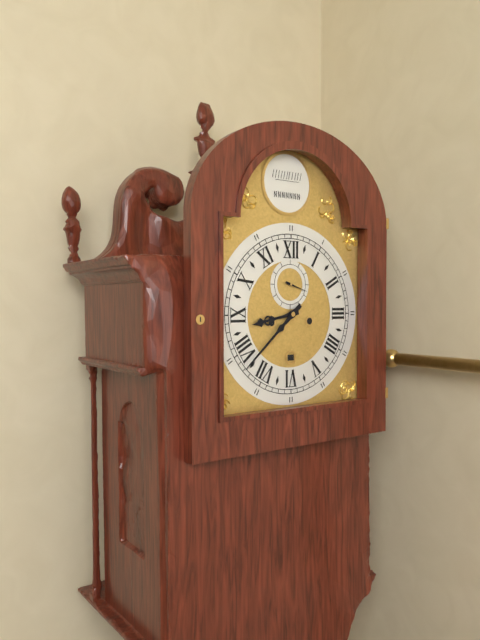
**8:38**
